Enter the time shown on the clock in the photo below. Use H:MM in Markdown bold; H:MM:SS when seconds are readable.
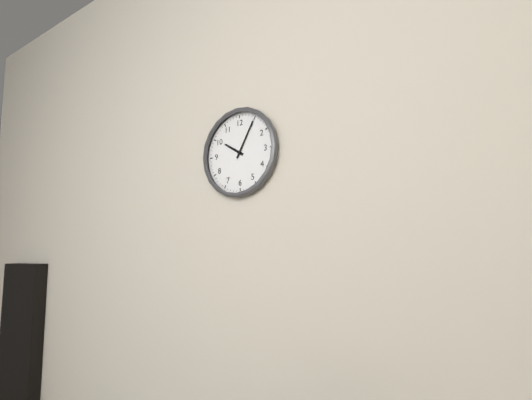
**10:05**
